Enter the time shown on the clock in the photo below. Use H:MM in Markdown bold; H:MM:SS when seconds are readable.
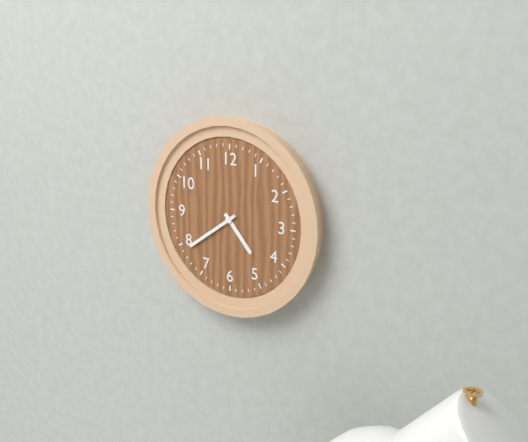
**4:39**
